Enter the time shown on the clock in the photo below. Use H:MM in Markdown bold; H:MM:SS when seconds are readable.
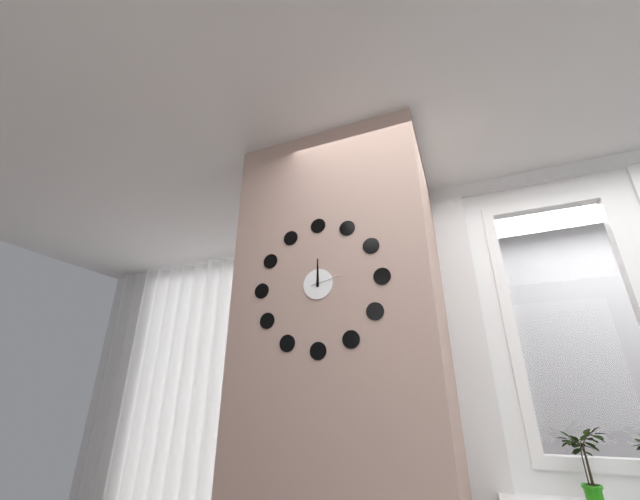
**12:00**
